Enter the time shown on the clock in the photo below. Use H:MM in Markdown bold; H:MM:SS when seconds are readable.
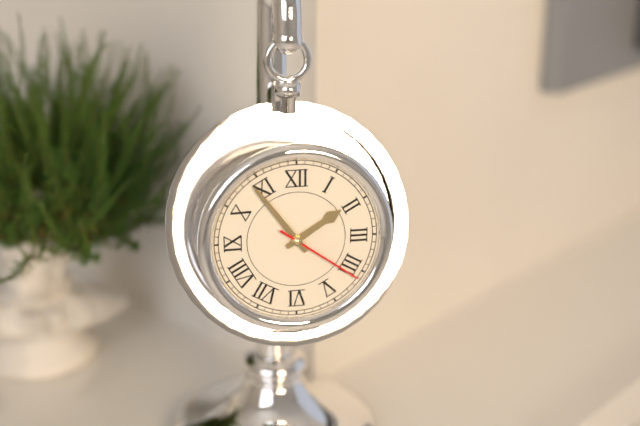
**1:54:21**
